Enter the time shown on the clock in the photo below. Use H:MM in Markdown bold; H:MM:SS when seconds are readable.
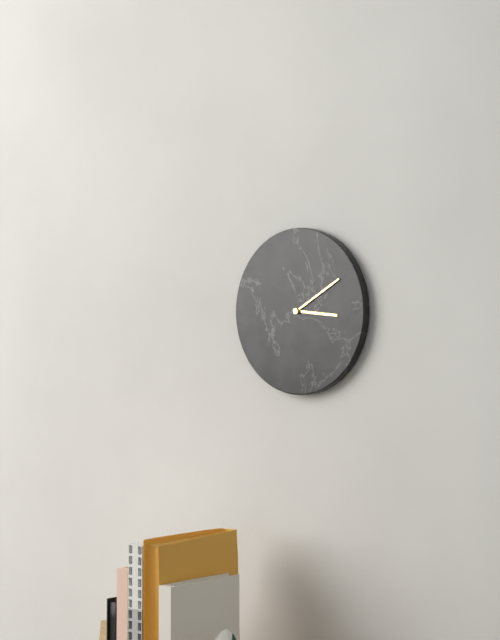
**3:10**
